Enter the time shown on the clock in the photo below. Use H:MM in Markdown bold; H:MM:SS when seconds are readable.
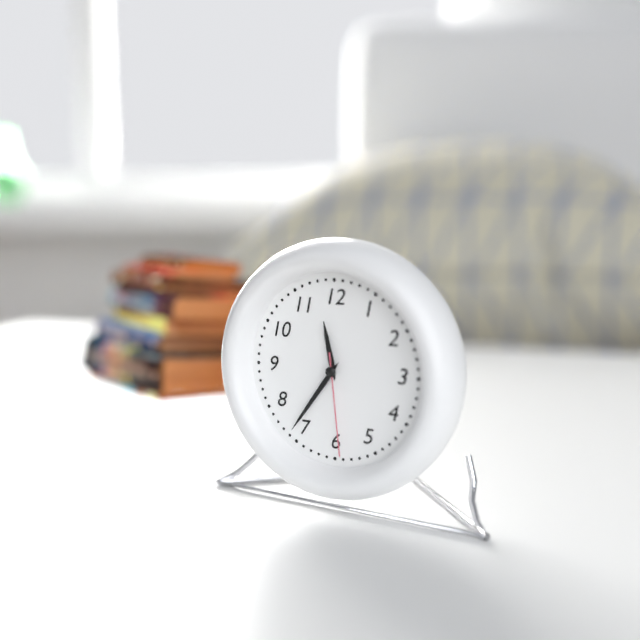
**11:36:29**
